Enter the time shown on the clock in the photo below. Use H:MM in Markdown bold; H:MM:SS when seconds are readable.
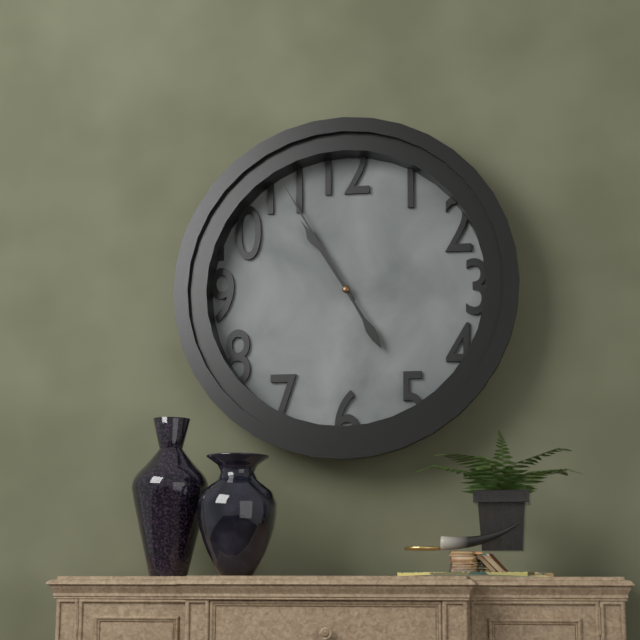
**10:55**
